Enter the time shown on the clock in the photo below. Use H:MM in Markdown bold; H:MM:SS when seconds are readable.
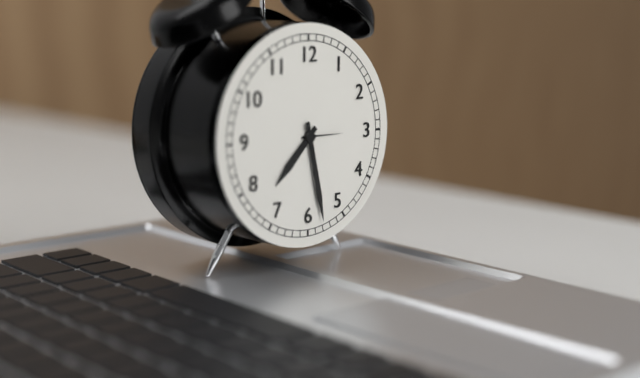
**7:28**
